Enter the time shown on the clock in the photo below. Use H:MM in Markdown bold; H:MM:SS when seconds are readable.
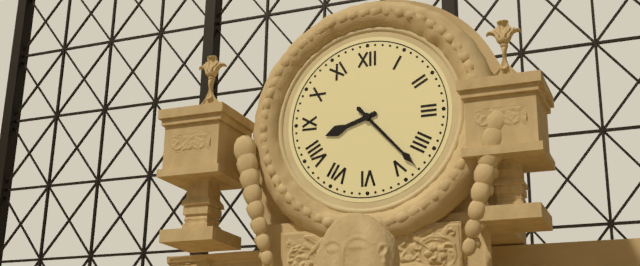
**8:23**
